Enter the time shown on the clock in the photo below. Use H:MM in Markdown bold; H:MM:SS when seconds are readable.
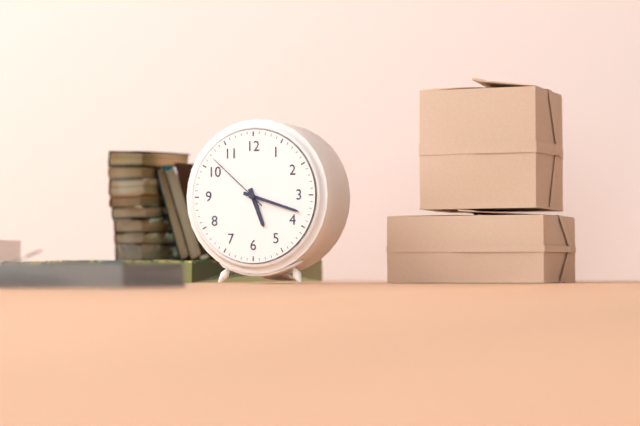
**5:18:52**
